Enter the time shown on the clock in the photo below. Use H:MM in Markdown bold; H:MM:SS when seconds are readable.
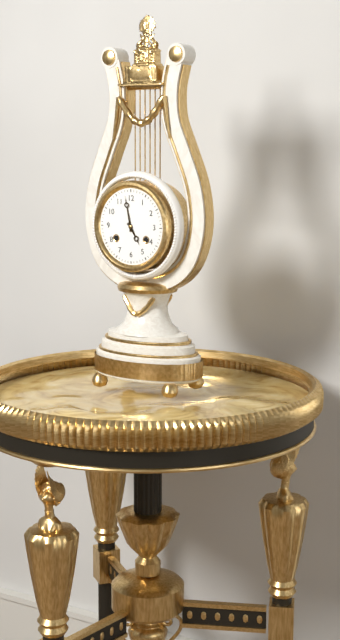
**4:58**
